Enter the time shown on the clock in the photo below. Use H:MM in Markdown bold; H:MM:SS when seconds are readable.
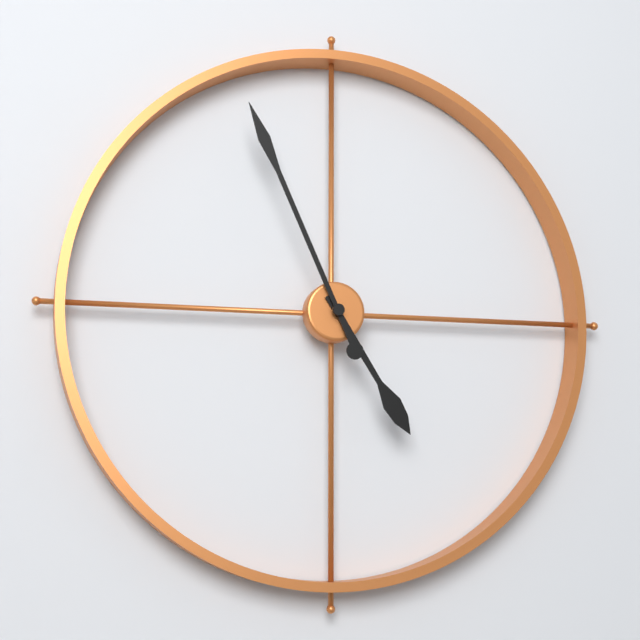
**4:56**
